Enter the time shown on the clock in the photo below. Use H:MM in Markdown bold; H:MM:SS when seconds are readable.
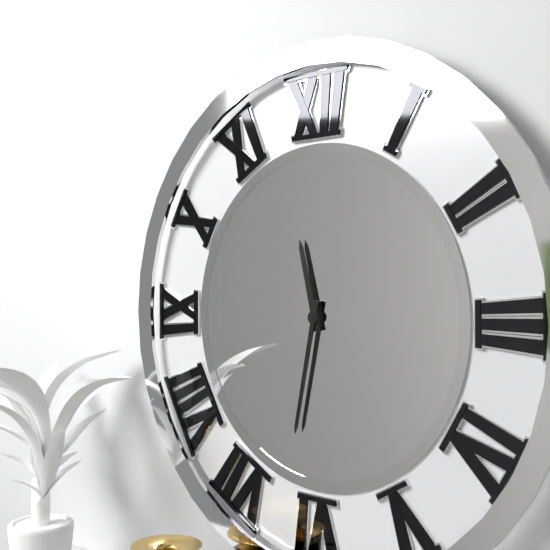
**11:32**
